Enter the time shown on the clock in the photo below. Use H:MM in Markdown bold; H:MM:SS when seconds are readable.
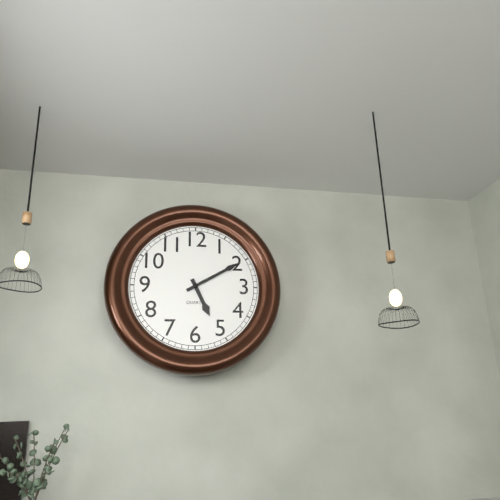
**5:10**
